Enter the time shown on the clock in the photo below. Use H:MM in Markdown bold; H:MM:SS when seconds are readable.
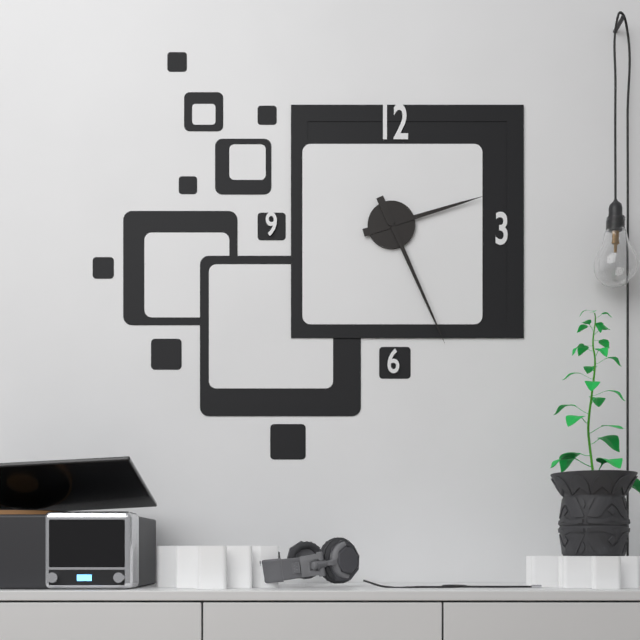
**2:26**
